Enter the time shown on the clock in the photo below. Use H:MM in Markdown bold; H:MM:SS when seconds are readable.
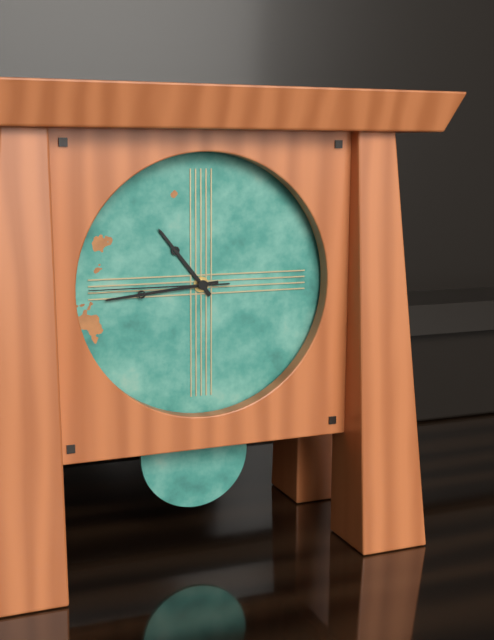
**10:44:45**
